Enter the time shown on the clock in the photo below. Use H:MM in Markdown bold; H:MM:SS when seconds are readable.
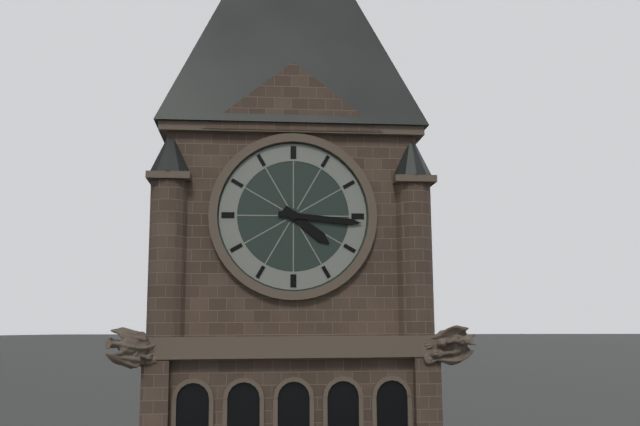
**4:16**
